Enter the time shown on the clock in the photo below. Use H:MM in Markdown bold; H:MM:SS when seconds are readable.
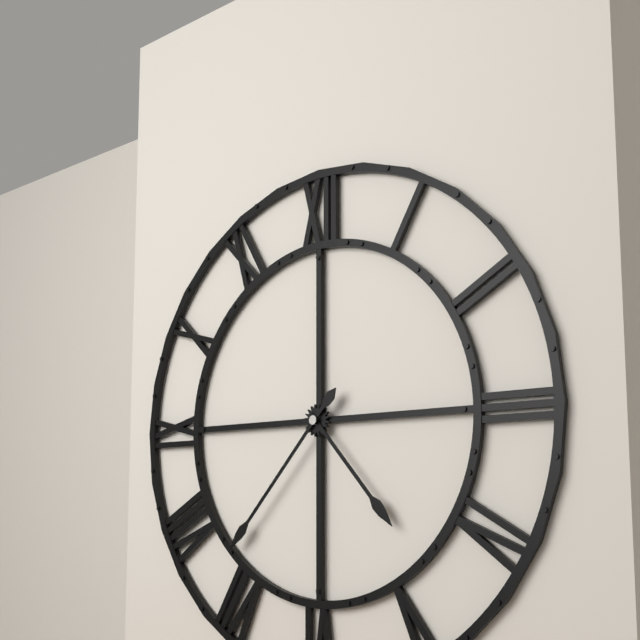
**4:37**
